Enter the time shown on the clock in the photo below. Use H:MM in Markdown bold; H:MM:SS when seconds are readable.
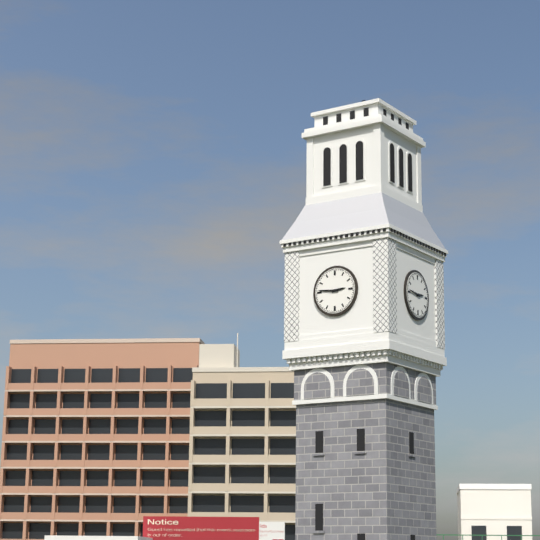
**2:46**
